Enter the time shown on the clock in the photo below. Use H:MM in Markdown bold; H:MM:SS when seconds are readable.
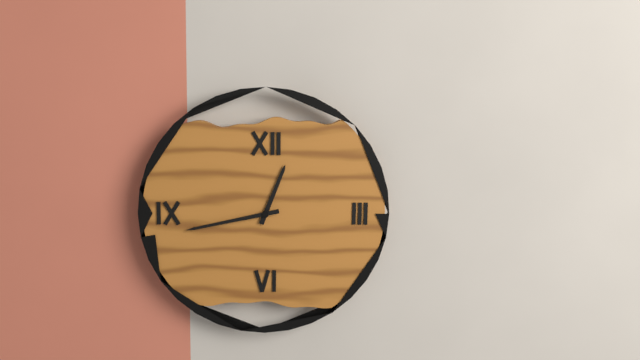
**12:43**
